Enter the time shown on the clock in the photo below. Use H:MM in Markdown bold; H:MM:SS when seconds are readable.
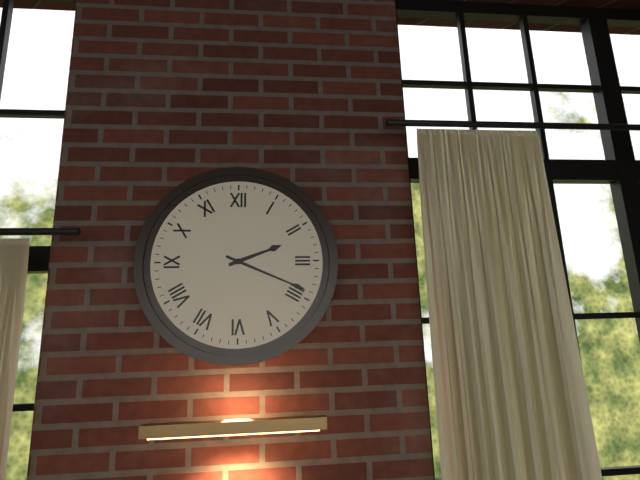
**2:19**
